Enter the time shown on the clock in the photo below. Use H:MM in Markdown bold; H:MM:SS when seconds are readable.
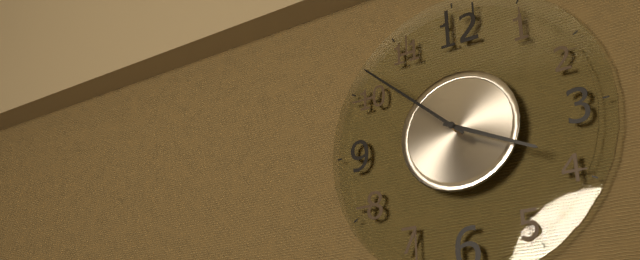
**3:52**
